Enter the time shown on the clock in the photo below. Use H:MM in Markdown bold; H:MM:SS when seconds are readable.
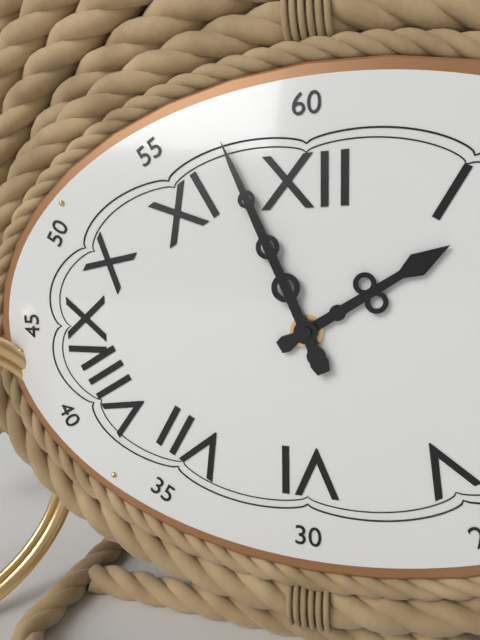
**1:56**
